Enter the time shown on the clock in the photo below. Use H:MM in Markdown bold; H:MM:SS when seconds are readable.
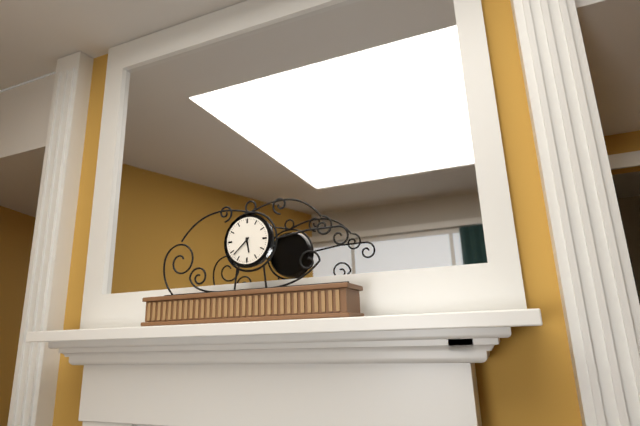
**5:38**
